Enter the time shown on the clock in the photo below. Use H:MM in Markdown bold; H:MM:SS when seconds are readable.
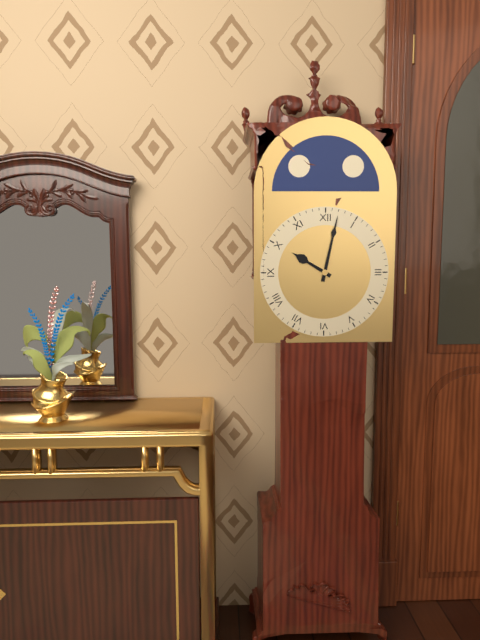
**10:02**
